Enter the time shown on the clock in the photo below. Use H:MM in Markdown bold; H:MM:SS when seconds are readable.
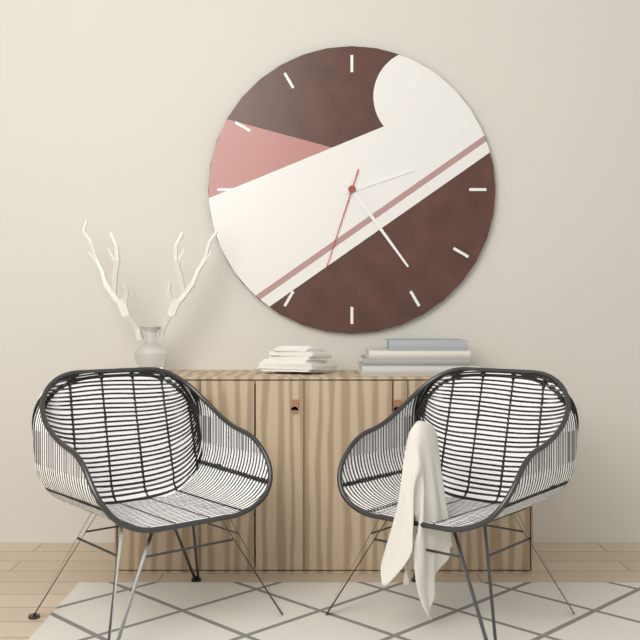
**2:24:33**
